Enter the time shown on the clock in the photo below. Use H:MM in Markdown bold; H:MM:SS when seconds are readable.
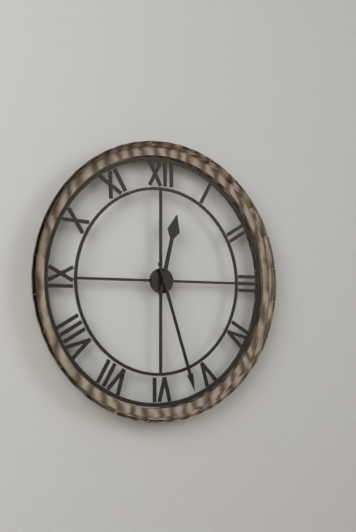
**12:27**
